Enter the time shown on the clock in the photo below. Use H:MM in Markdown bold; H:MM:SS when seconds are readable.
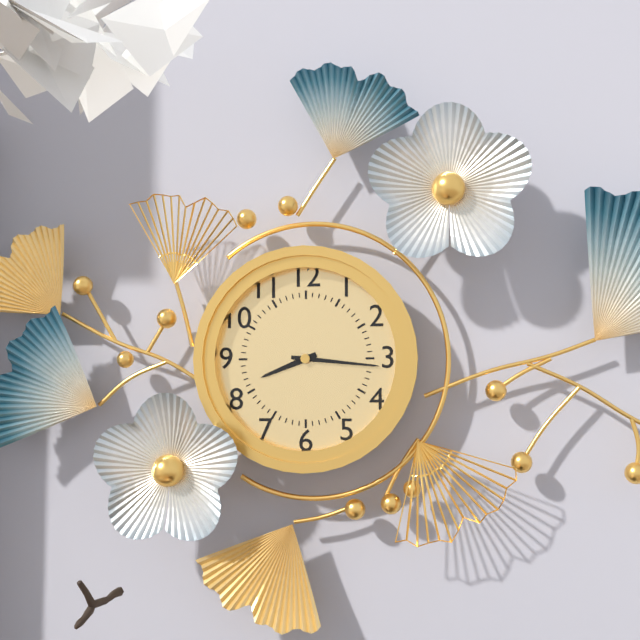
**8:16**
